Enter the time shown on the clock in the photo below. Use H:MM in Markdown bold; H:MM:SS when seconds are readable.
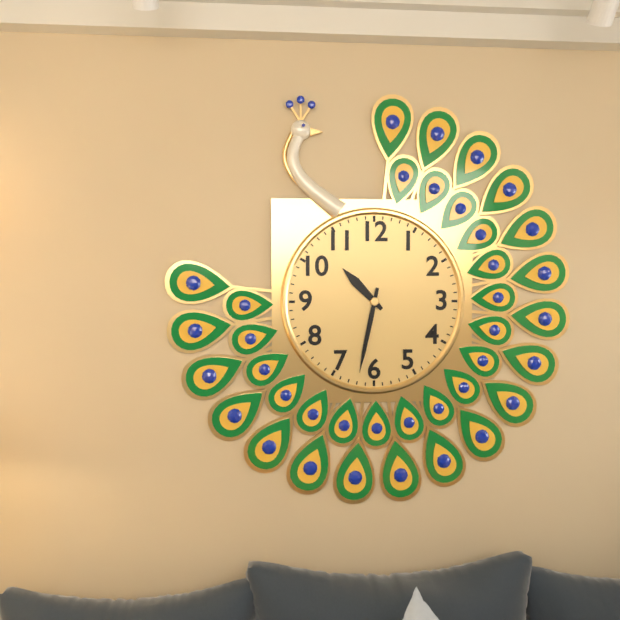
**10:32**
